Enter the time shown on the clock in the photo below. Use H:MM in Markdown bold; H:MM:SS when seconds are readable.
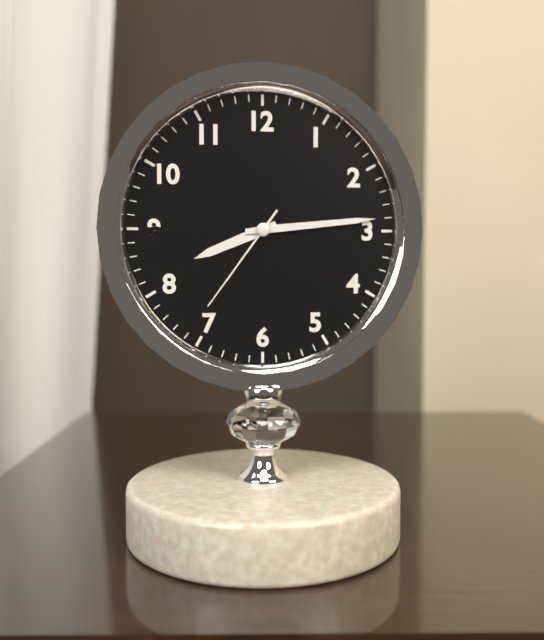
**8:14:36**
